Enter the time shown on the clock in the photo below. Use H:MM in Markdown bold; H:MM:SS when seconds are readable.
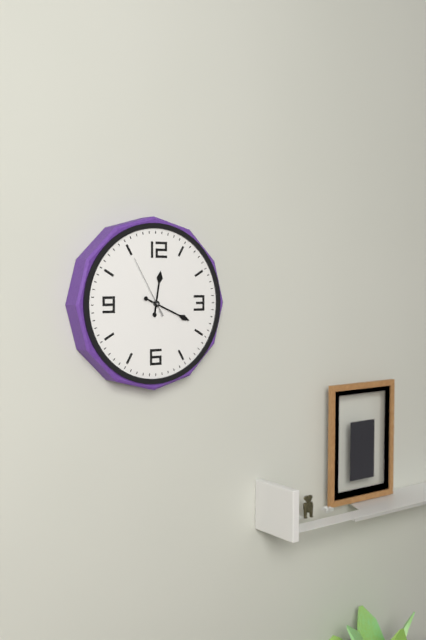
**12:19:55**
